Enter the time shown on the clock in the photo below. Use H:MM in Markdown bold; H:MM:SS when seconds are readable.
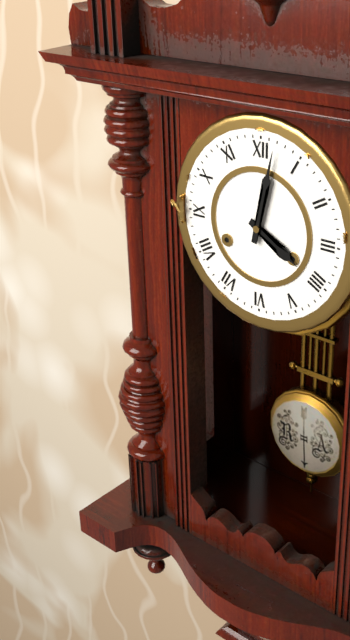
**4:02**
